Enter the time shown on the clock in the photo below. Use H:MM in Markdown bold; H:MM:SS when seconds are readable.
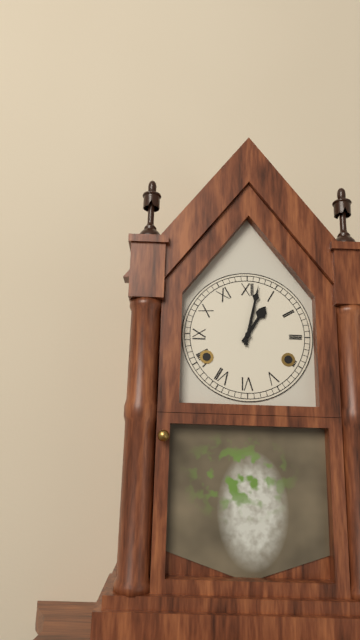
**1:02**
